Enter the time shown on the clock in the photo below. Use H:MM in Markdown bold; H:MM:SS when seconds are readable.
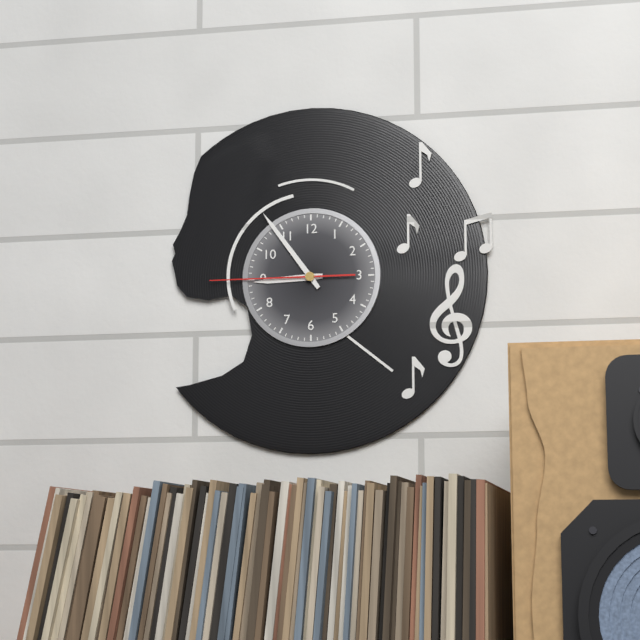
**8:54:45**
